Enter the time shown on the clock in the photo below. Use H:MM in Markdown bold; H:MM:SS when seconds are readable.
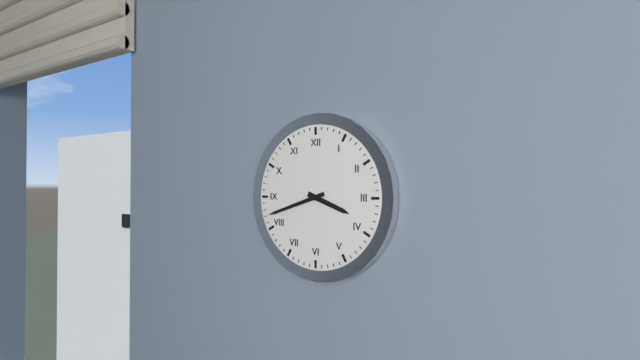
**3:42**
